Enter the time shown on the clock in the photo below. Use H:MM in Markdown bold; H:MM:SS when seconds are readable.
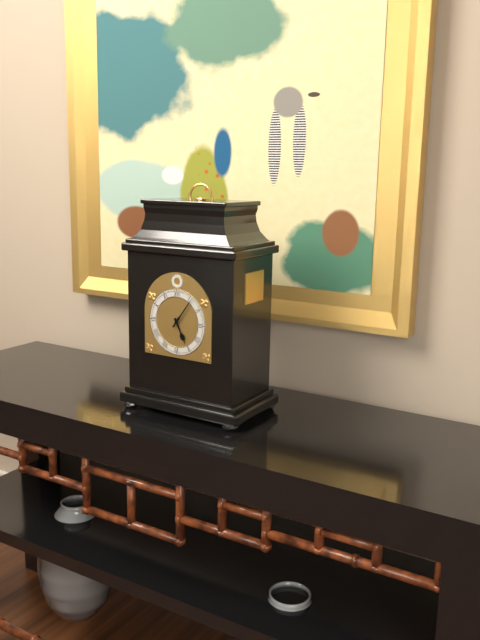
**5:06**
